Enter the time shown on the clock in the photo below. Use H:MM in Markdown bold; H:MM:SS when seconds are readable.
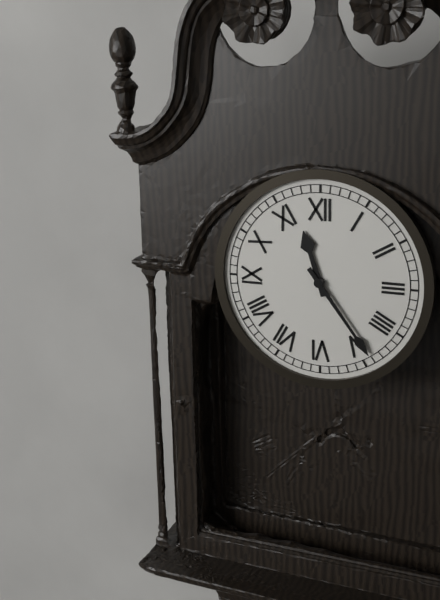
**11:24**
